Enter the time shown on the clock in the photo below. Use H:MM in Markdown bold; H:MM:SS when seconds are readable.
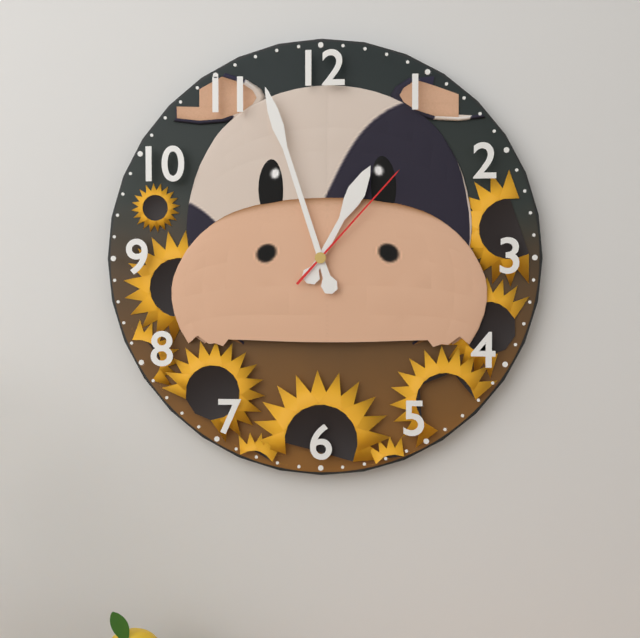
**12:57:07**
